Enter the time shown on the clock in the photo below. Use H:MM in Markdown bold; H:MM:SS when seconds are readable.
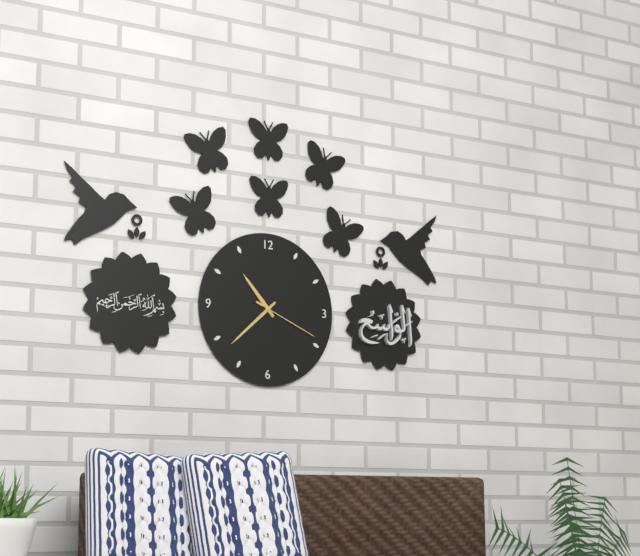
**10:38:19**
